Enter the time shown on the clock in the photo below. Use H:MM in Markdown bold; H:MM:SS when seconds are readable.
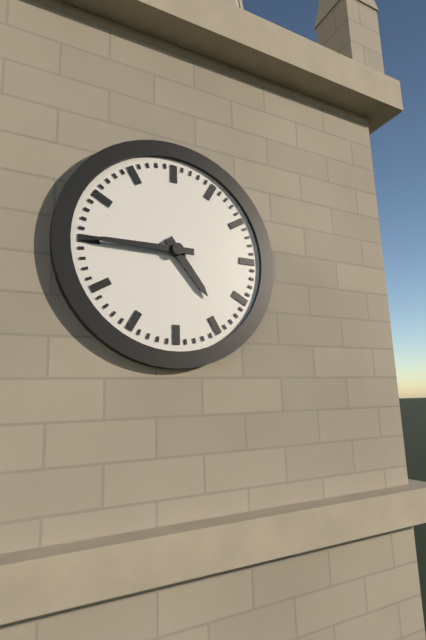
**4:45**
